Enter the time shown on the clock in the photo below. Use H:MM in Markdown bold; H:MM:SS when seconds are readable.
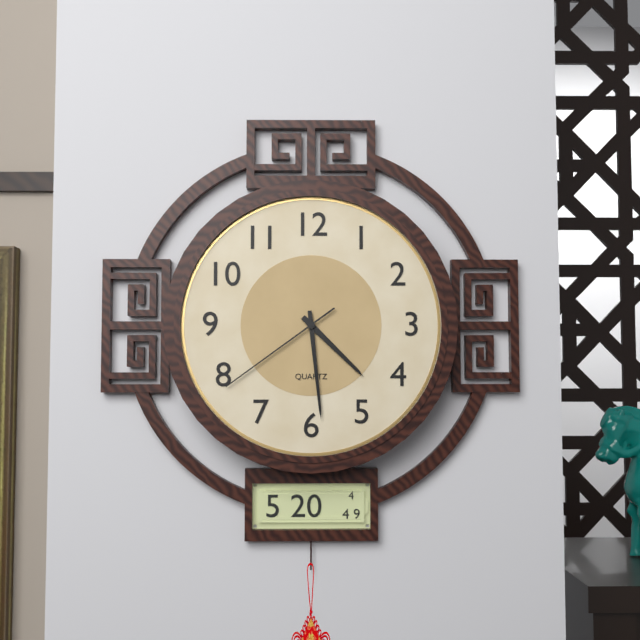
**4:29:39**
